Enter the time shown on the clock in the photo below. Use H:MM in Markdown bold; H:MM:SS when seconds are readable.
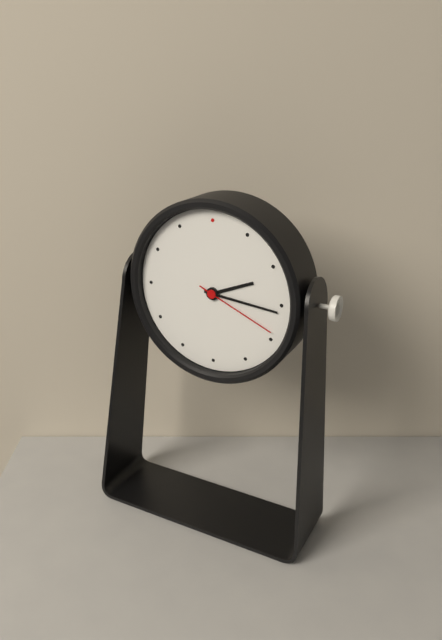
**2:16:19**
